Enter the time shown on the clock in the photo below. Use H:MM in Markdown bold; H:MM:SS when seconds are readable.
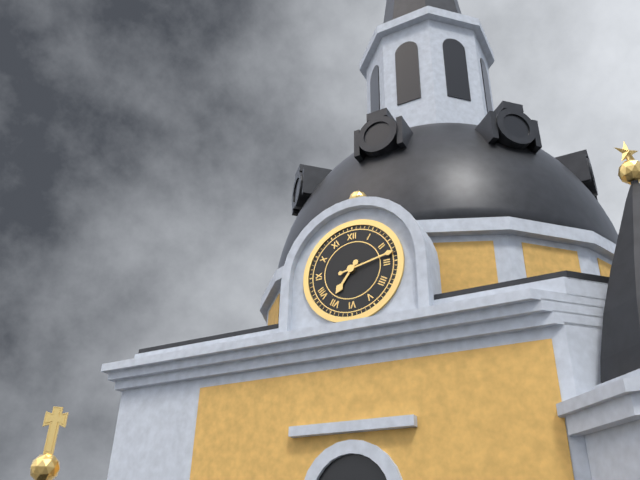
**7:13**
